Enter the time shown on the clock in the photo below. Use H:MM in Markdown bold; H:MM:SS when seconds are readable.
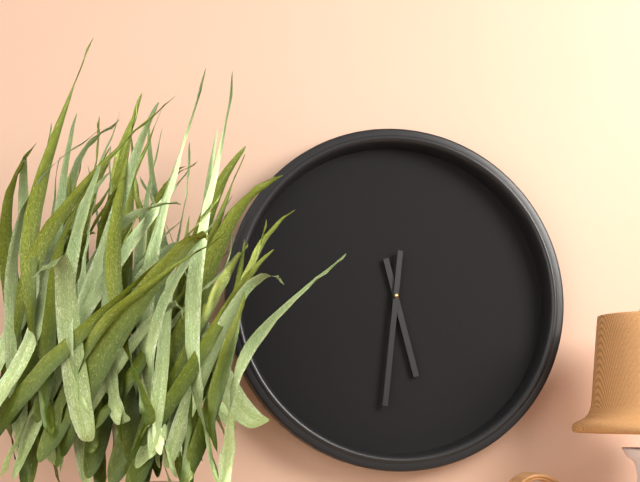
**5:31**
